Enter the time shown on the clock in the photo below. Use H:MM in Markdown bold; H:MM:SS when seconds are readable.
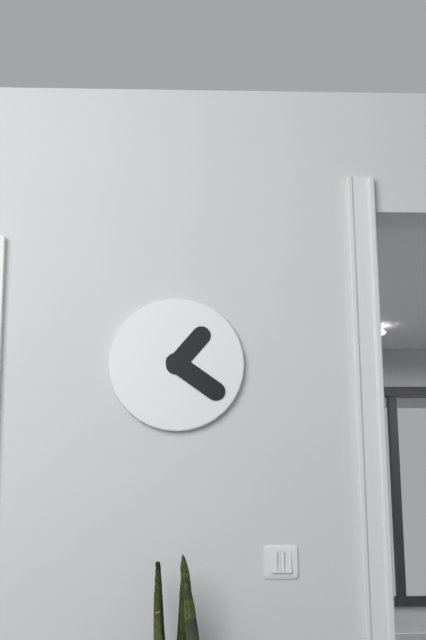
**1:21**
